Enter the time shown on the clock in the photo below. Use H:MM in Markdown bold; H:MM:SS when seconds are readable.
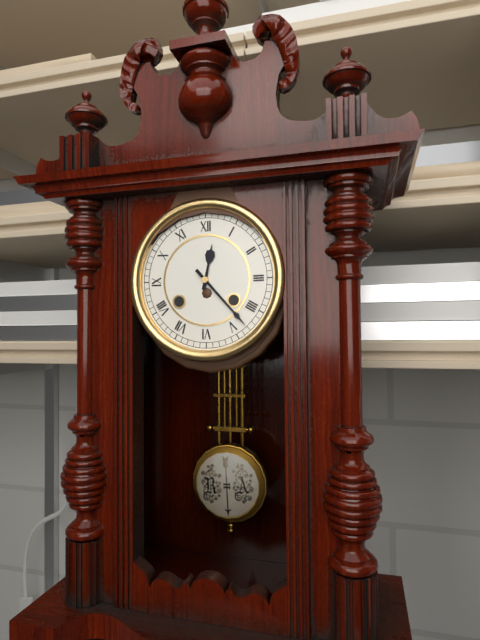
**12:23**
